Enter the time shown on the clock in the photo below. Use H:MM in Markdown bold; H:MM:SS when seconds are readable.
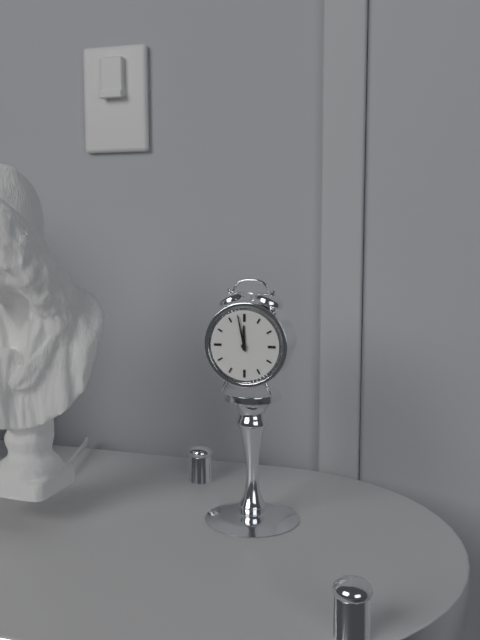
**11:58**
